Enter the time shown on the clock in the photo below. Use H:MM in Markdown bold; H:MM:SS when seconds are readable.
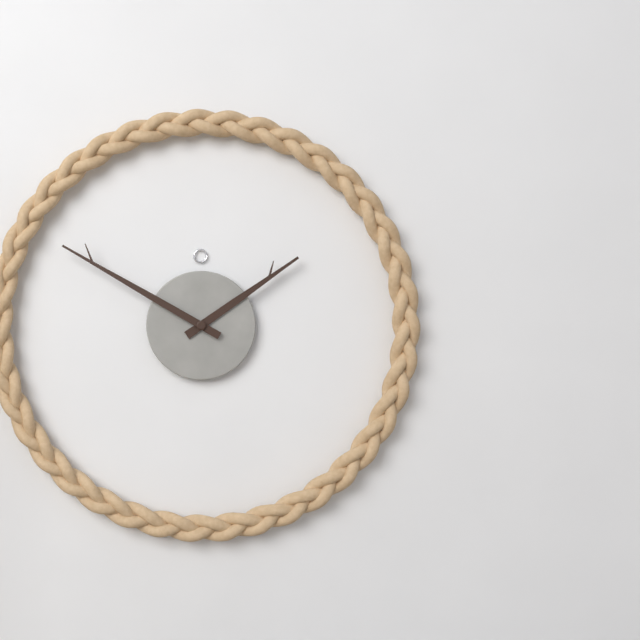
**1:50**
